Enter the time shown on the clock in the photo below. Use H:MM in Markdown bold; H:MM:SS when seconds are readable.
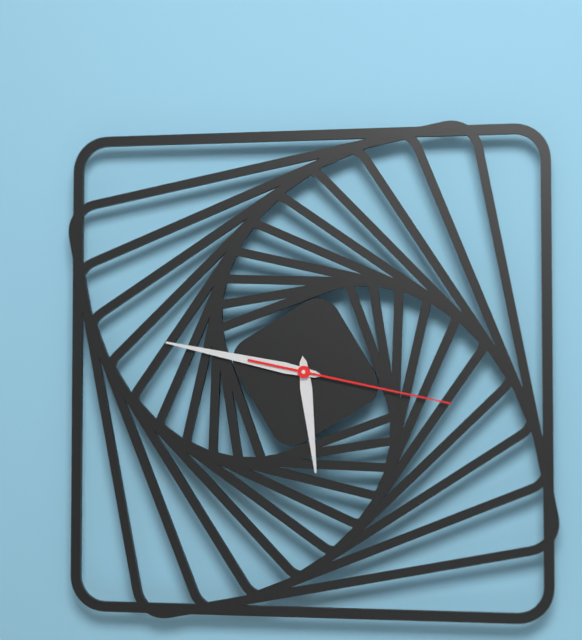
**5:47:17**
